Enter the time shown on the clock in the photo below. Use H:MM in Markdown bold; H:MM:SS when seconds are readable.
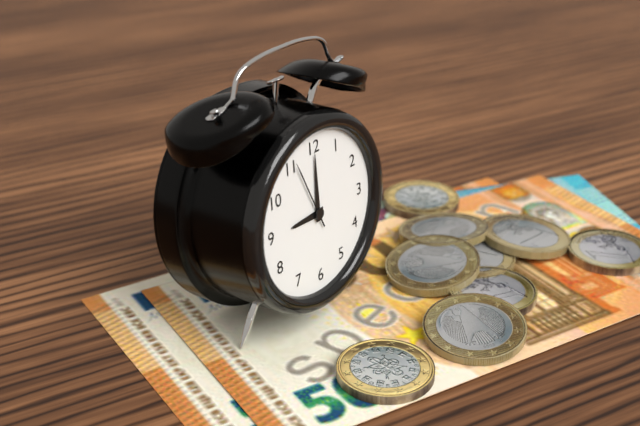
**9:00:56**
